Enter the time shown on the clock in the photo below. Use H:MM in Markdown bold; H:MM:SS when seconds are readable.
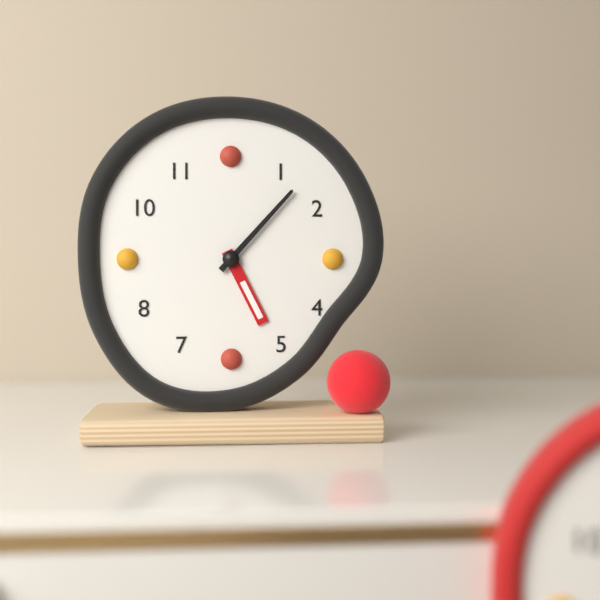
**5:07**
